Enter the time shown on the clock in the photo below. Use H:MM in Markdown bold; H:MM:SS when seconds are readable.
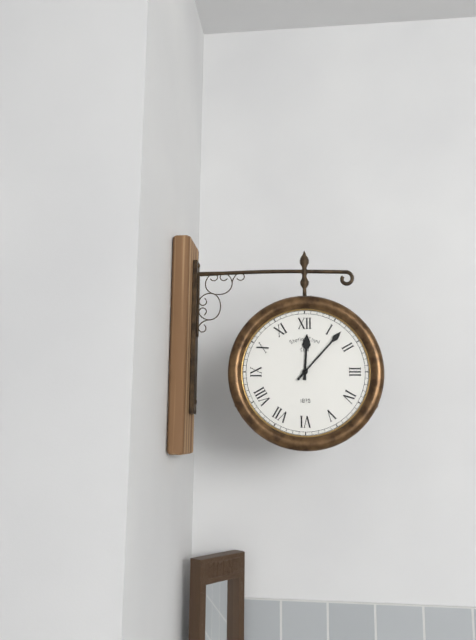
**12:07**
